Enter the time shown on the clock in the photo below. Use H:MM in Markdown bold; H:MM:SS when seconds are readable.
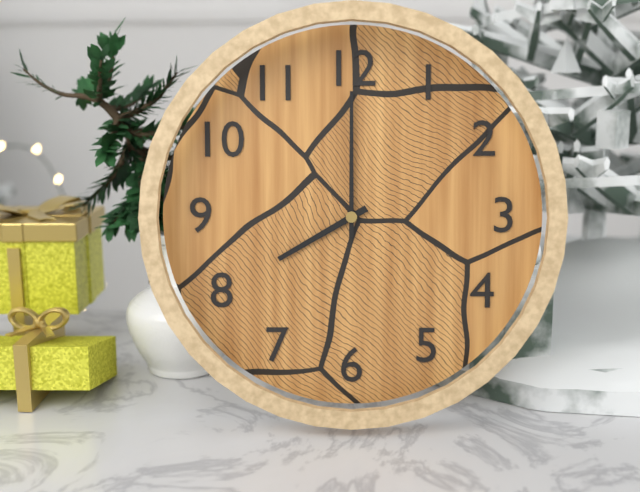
**8:00**
